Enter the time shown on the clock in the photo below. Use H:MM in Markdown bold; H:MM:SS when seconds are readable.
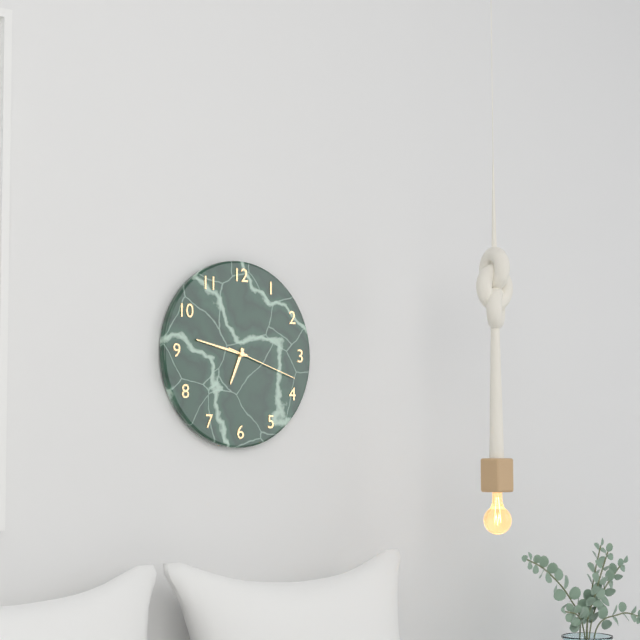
**6:47:18**
